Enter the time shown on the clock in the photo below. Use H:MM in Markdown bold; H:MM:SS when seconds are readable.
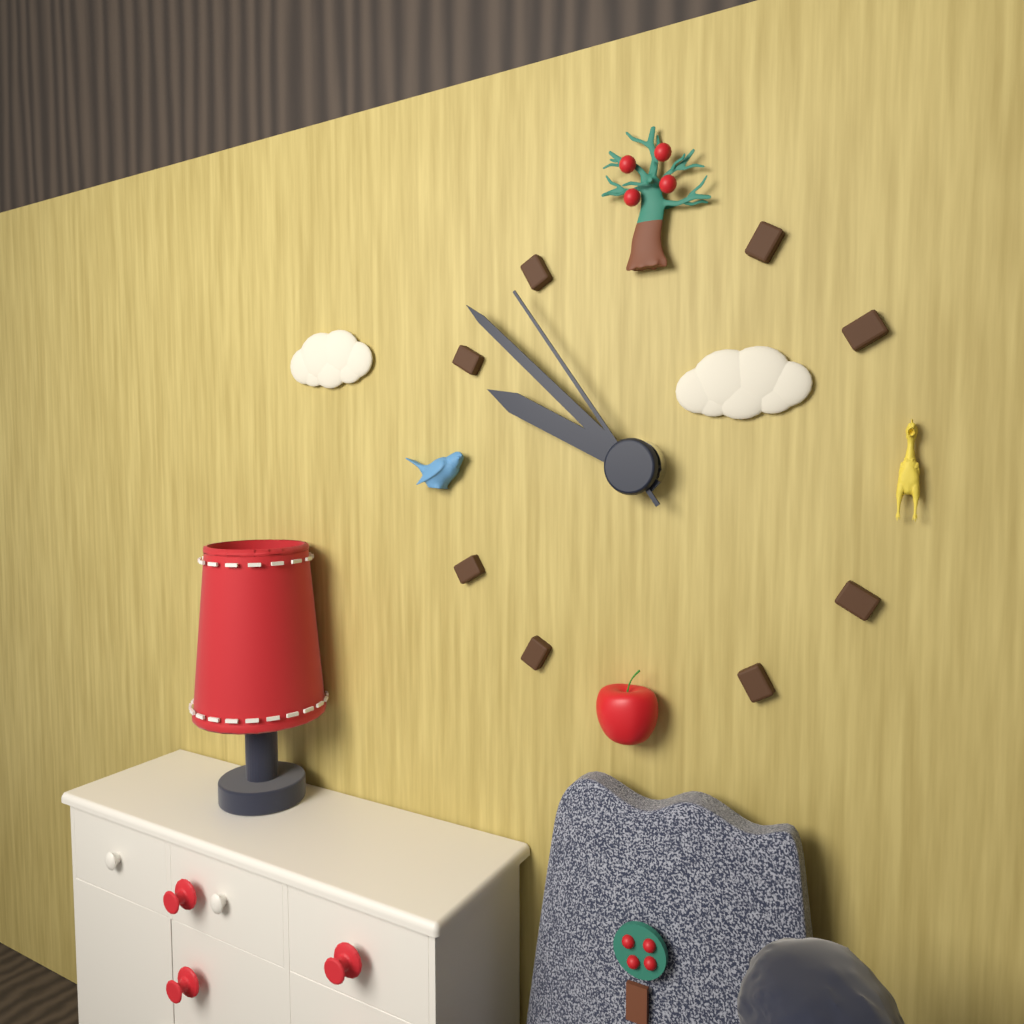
**9:52:54**
